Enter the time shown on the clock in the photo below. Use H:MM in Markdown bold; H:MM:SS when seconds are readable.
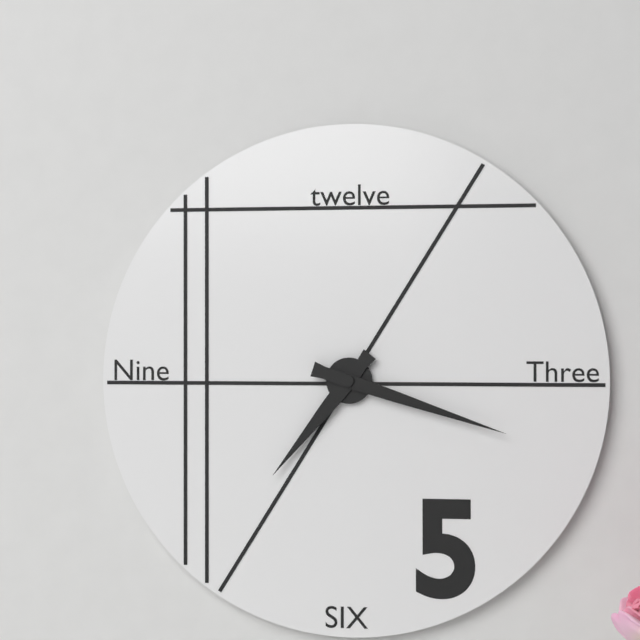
**7:18**
